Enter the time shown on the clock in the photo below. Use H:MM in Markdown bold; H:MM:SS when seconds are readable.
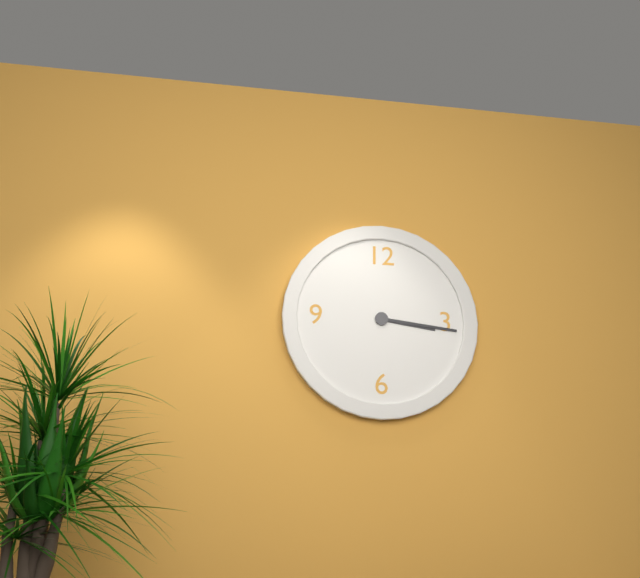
**3:16**
